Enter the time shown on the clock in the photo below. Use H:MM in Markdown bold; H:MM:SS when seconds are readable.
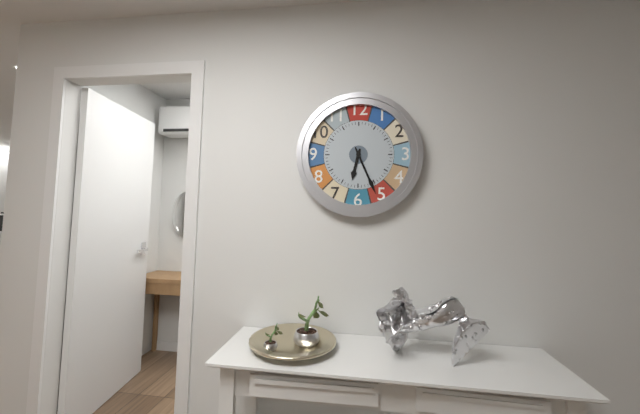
**6:26**
